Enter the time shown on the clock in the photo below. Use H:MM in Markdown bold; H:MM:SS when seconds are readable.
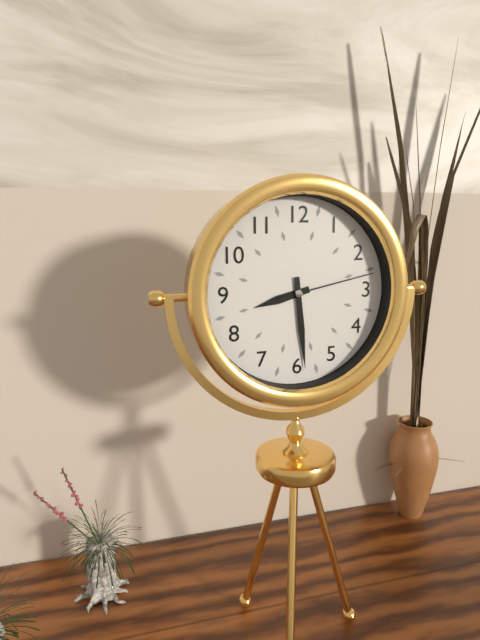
**8:29:13**
